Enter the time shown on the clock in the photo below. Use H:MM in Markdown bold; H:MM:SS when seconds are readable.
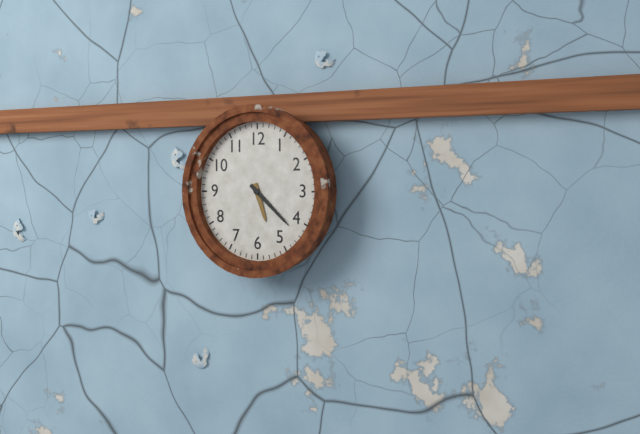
**5:22**
